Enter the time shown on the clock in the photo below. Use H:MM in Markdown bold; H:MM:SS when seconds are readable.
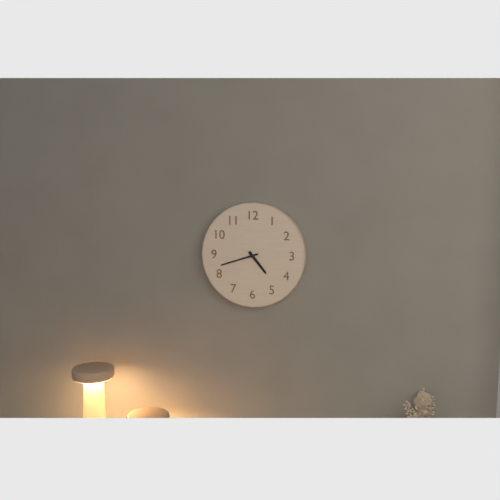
**4:42**
